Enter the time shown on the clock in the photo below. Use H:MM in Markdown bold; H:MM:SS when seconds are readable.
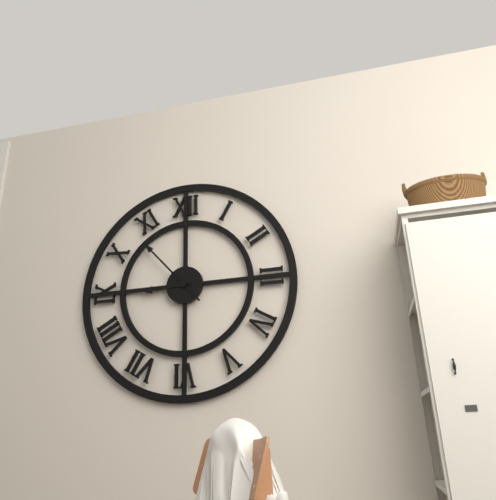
**8:53**
